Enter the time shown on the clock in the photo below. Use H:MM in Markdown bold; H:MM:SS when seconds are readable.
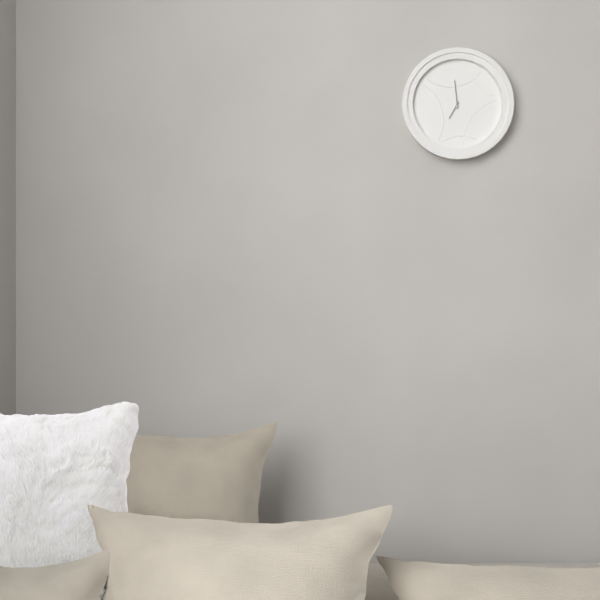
**6:59**
